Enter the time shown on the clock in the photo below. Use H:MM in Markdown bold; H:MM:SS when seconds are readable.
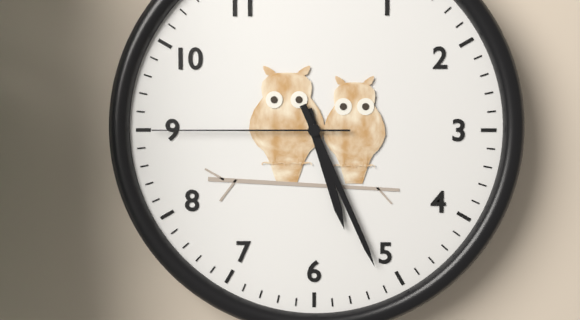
**5:26:45**
